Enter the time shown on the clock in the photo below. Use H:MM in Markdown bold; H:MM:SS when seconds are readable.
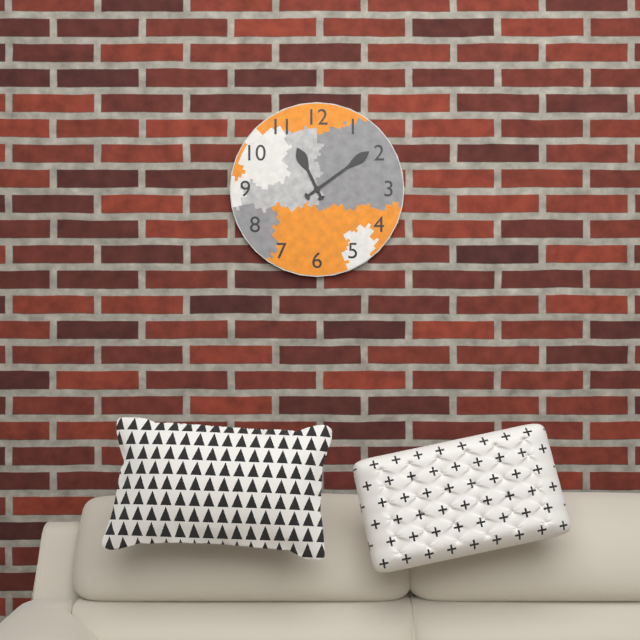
**11:09**
